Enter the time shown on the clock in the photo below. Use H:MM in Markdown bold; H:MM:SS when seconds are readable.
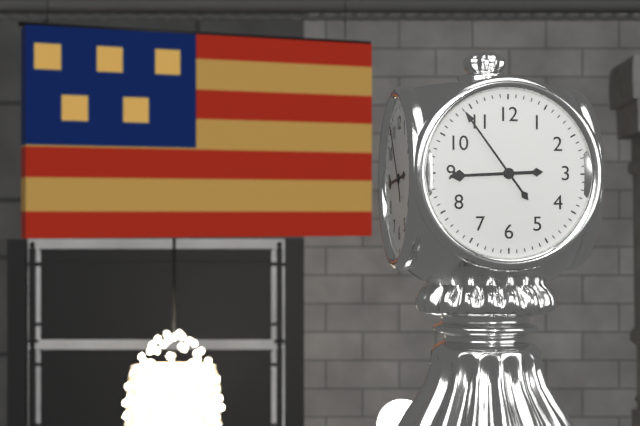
**8:54**
